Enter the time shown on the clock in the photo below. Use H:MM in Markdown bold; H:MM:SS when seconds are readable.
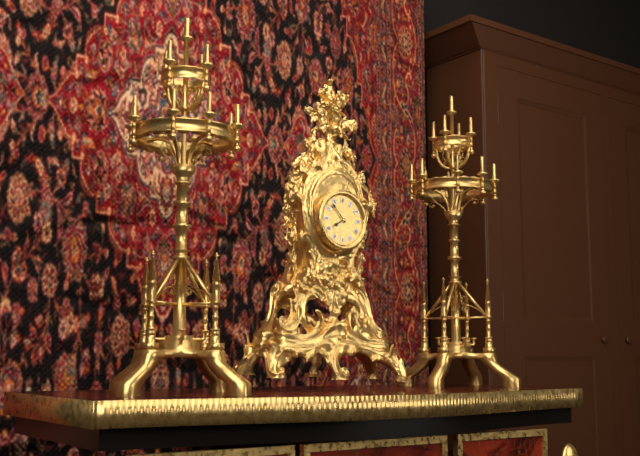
**7:53**
